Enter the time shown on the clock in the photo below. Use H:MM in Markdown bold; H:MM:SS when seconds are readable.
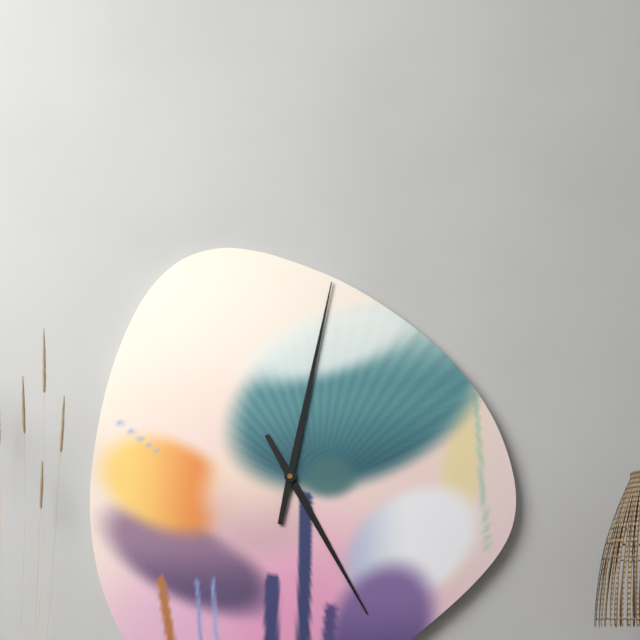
**5:02**
